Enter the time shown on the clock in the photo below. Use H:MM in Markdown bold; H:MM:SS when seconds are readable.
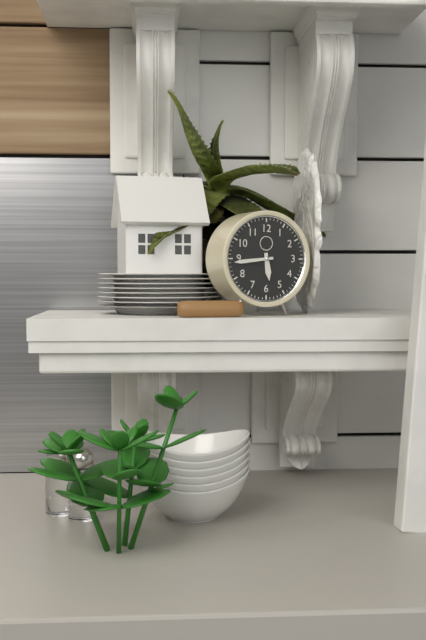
**5:44**
